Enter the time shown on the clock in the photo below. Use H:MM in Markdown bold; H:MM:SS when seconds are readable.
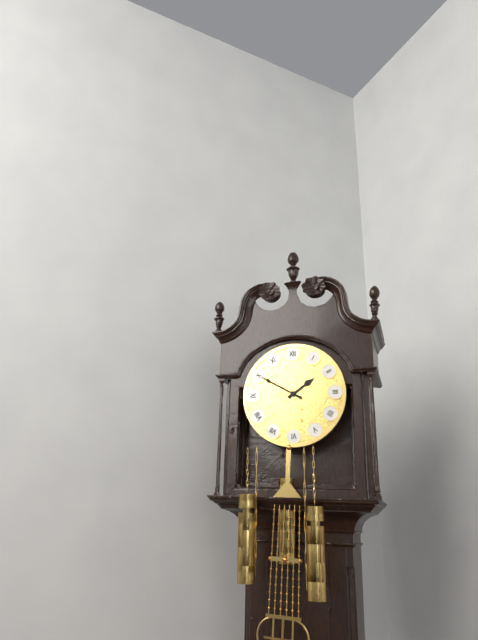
**1:50**
